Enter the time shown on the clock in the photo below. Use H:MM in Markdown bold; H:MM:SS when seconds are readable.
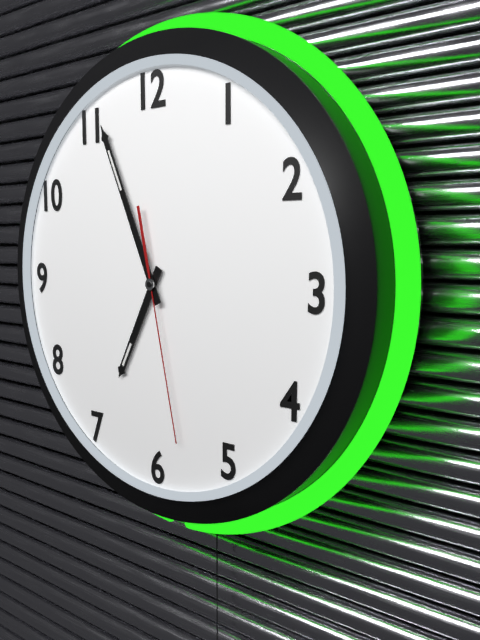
**6:56:28**
